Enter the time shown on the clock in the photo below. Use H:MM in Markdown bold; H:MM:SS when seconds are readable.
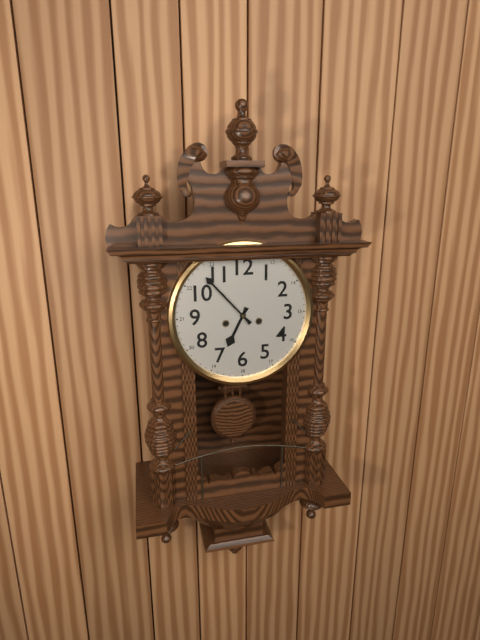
**6:53**
